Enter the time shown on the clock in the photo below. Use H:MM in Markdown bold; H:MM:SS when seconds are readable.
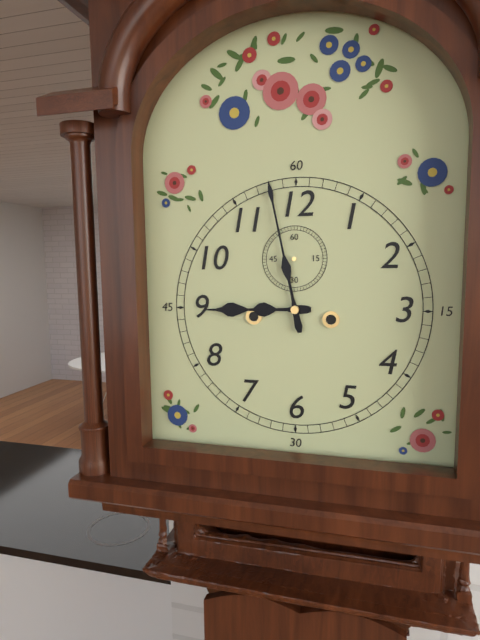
**8:58**
